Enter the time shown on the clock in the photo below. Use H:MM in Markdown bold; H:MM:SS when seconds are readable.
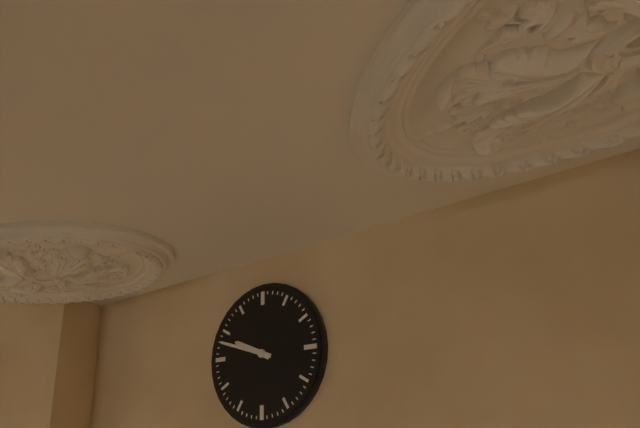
**9:48**
